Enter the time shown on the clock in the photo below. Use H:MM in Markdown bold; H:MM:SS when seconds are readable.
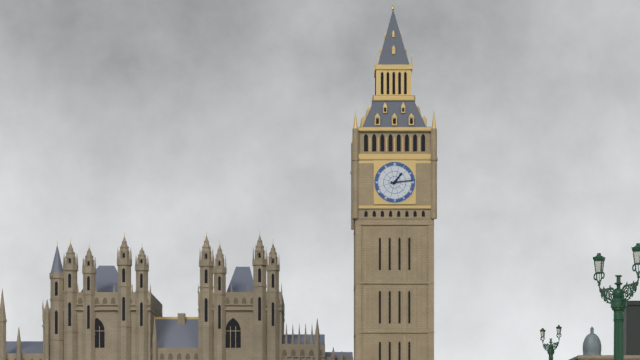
**1:14**
